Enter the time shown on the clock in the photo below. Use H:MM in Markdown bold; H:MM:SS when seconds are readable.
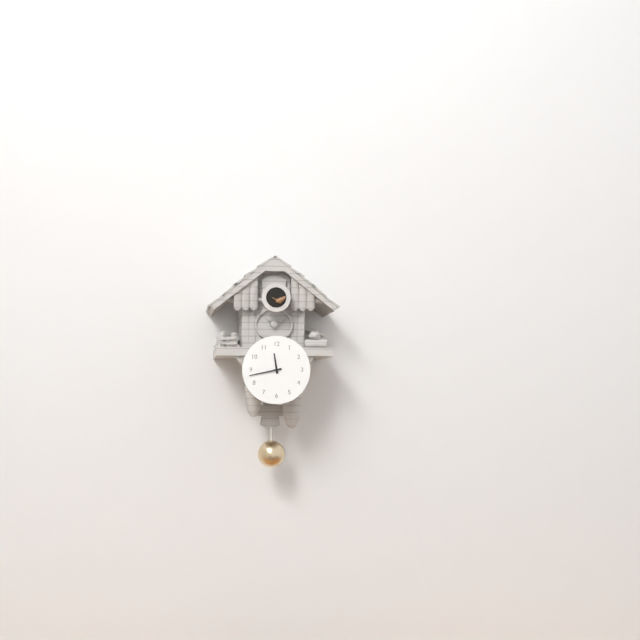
**11:43**
